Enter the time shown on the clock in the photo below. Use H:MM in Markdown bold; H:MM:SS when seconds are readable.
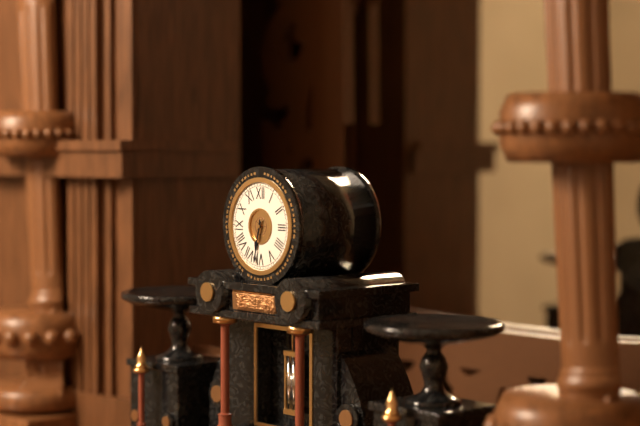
**6:32**
